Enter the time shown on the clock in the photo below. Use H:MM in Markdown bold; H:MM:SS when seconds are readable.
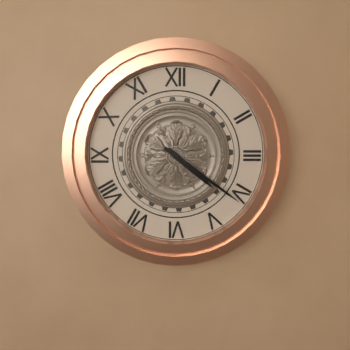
**4:21**
